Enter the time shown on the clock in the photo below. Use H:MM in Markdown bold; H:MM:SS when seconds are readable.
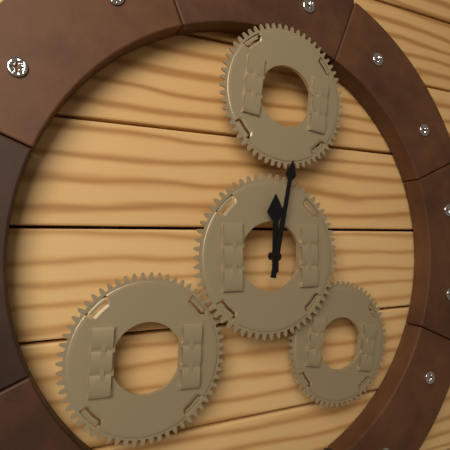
**12:02**
